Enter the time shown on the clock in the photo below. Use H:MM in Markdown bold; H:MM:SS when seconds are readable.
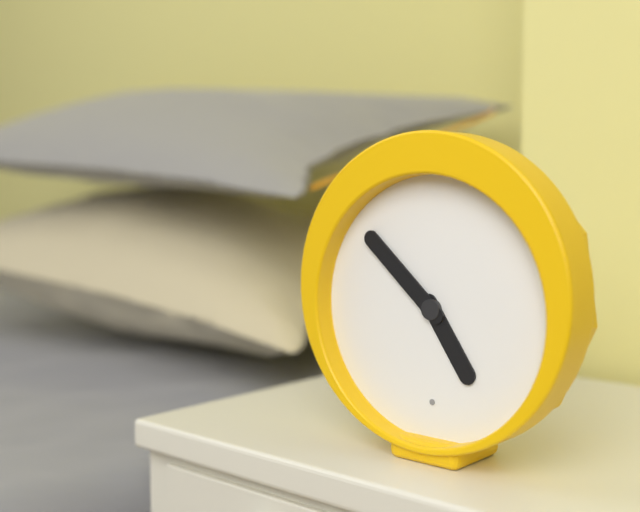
**4:52**
